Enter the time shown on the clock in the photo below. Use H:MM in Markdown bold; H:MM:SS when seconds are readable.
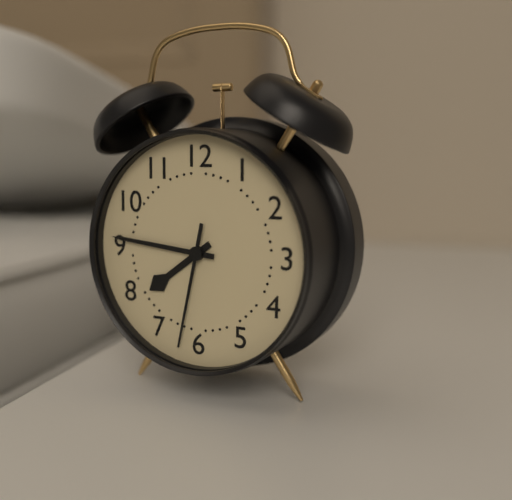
**7:46:32**
